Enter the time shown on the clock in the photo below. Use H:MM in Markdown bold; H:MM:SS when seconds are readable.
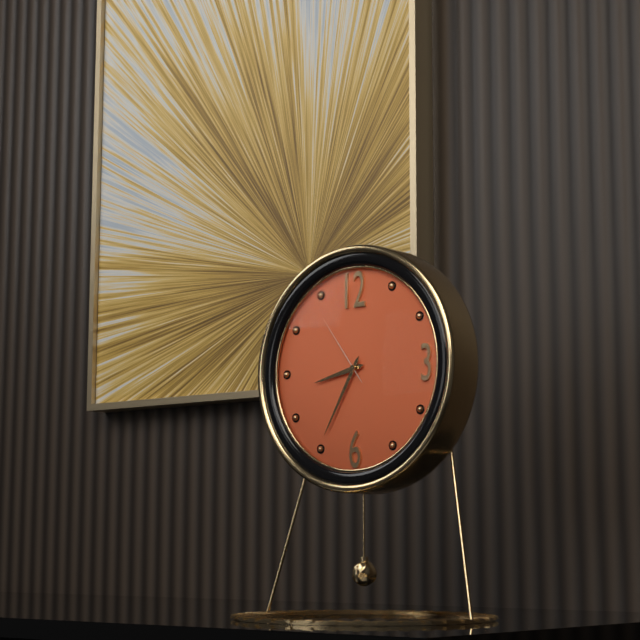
**8:35:54**
